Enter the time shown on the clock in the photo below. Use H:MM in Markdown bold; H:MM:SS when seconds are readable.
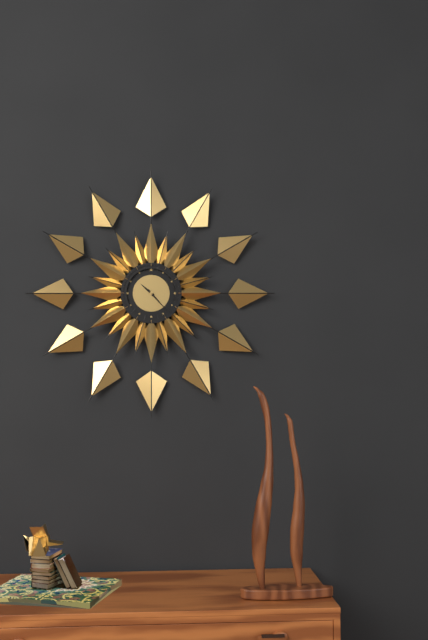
**10:23**
